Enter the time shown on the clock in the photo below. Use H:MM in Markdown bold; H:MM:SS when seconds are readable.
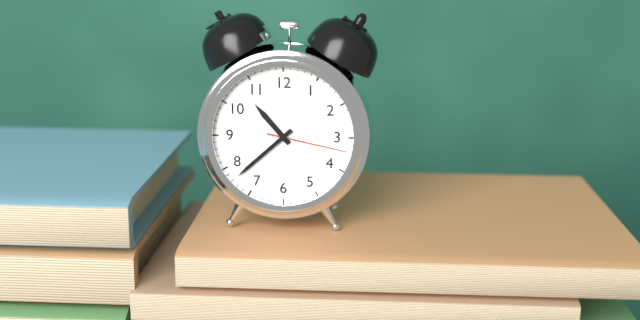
**10:38:17**
